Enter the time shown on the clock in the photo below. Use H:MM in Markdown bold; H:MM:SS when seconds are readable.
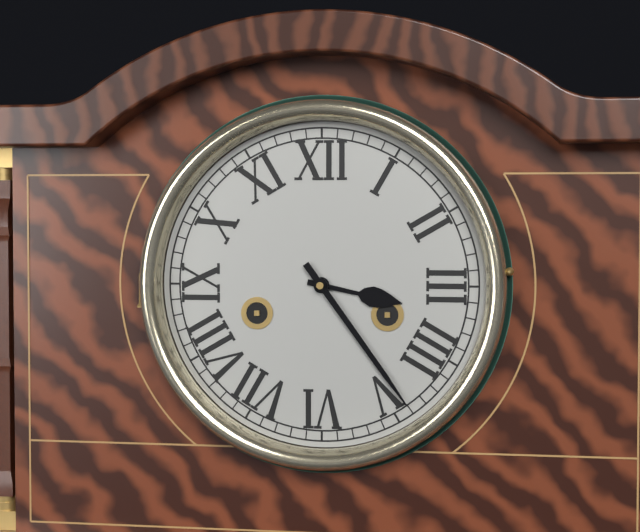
**3:24**
